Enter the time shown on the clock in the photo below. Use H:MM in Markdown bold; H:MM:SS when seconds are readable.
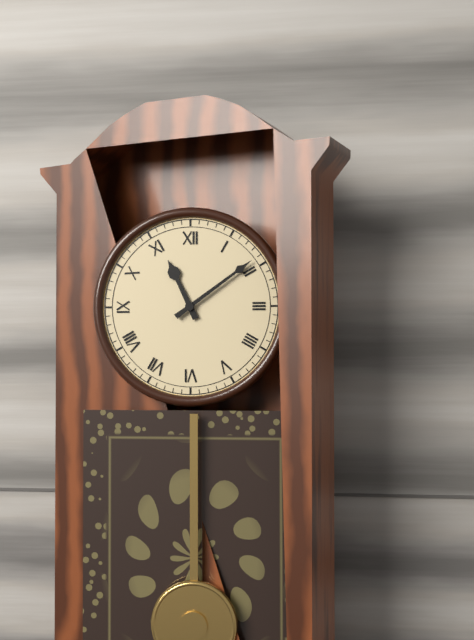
**11:09**
